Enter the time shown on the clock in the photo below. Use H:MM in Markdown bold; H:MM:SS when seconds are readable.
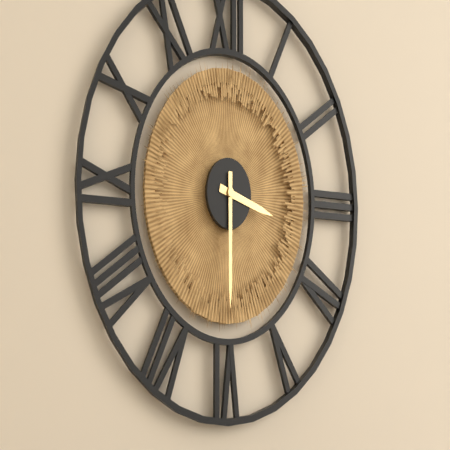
**3:30**
